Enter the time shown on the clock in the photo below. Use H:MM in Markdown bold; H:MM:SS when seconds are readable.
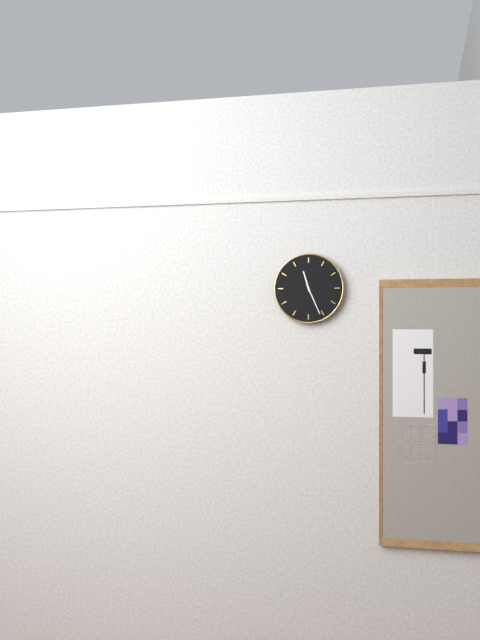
**11:26**
